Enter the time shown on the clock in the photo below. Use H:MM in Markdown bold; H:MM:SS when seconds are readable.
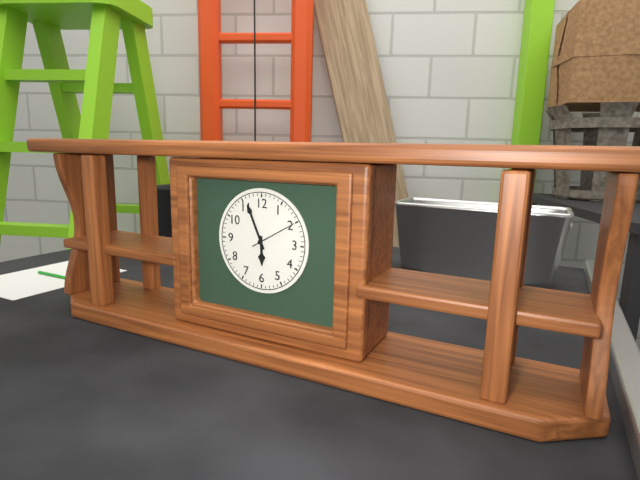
**5:56**
